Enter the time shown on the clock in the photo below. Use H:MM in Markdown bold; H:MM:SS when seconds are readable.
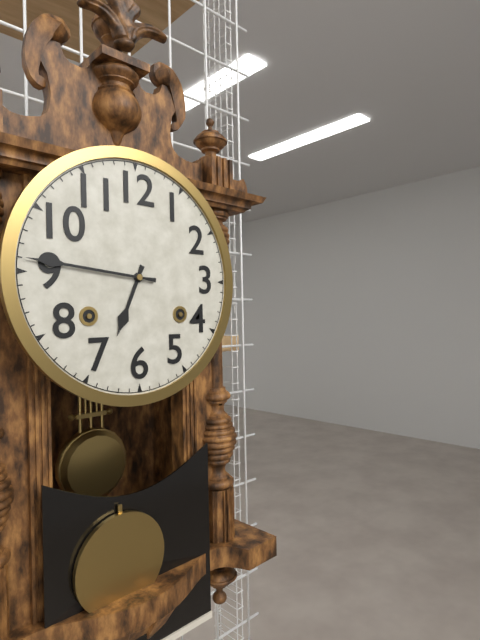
**6:46**
